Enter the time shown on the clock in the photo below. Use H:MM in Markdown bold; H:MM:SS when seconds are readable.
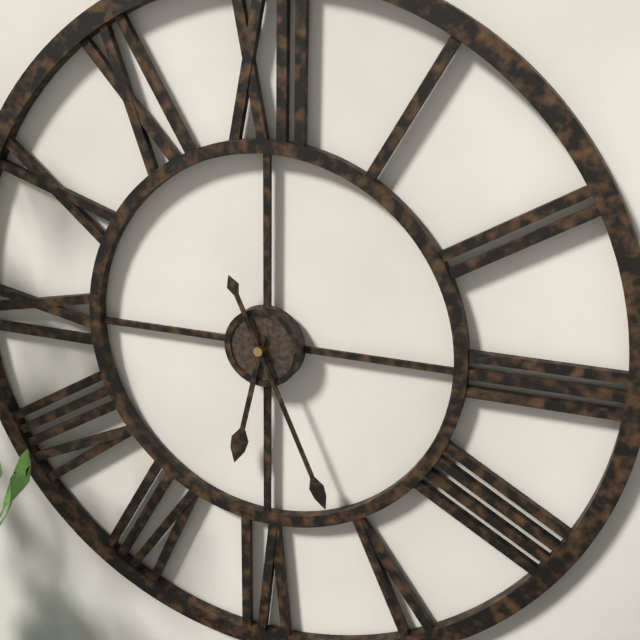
**6:26**
